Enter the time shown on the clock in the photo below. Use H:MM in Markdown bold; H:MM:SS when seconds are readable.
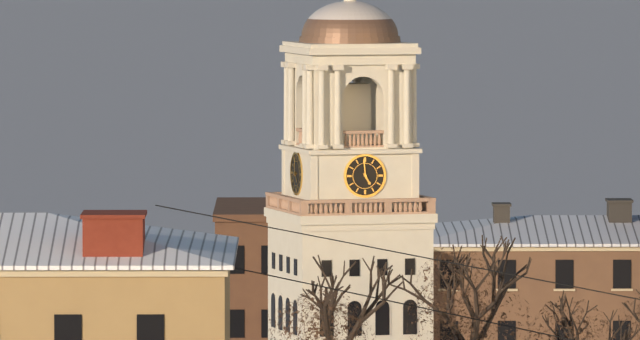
**4:59**
